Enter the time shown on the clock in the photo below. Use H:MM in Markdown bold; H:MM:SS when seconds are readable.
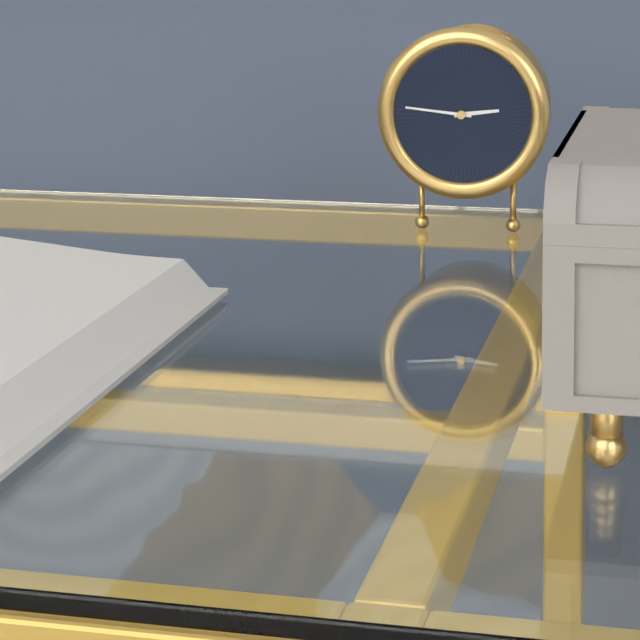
**2:46**
